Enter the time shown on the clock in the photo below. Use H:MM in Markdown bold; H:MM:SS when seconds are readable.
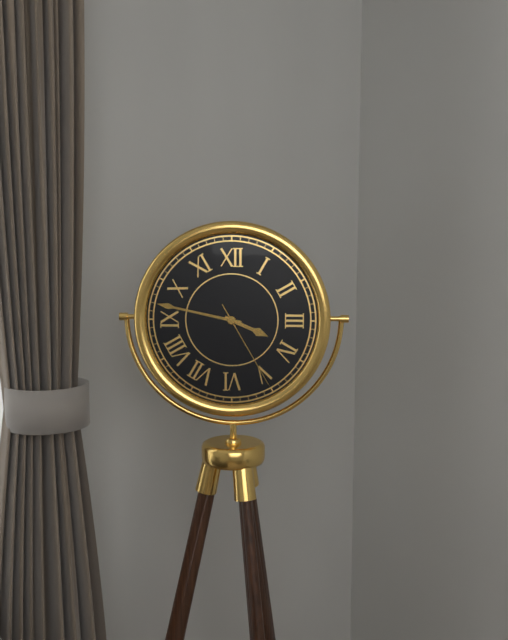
**3:47:25**
